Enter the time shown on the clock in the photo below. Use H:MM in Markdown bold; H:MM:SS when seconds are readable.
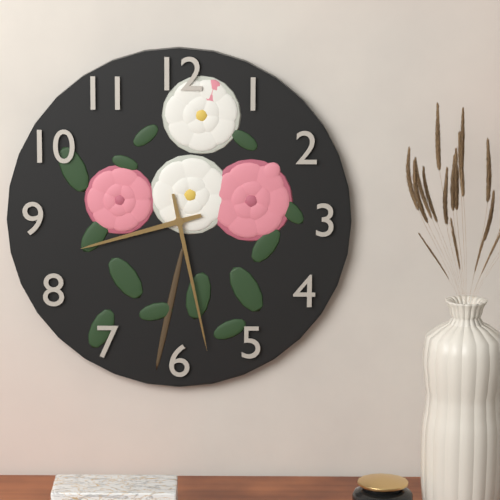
**8:28**
